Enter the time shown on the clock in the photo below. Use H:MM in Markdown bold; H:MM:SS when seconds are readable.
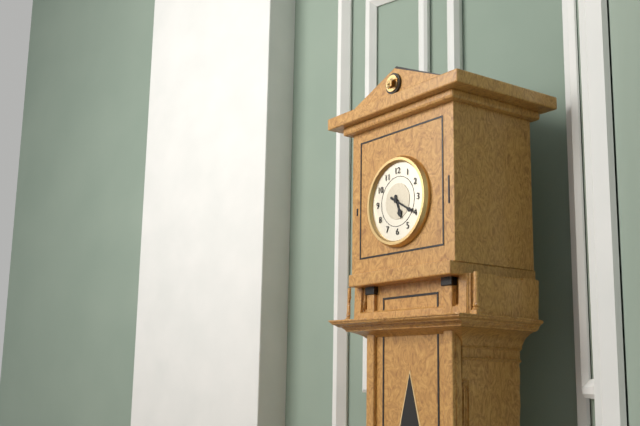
**5:20**
